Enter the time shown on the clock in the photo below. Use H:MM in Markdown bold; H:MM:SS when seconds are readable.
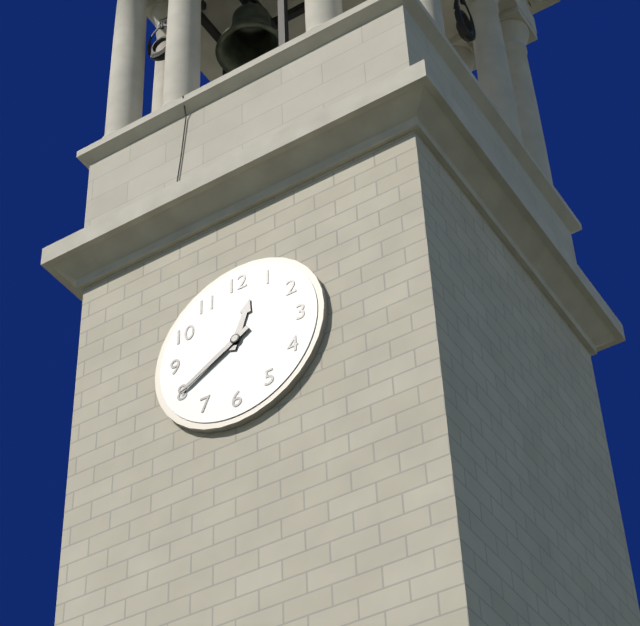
**12:40**
